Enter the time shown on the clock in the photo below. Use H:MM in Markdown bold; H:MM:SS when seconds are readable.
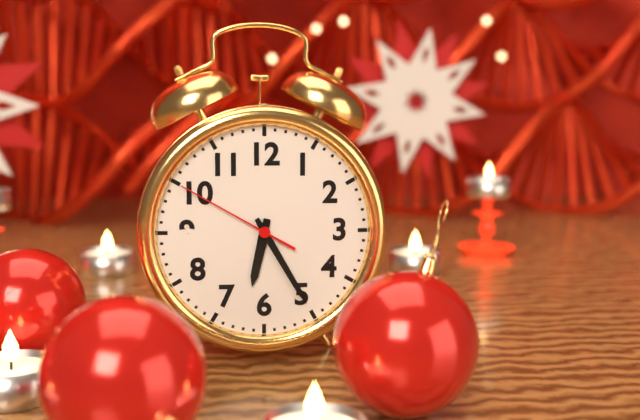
**6:25:50**
